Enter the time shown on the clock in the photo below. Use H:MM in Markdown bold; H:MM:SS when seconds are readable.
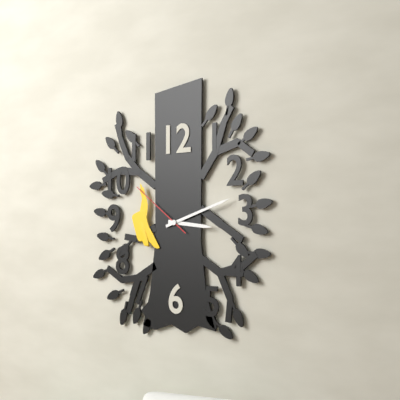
**3:12:51**
